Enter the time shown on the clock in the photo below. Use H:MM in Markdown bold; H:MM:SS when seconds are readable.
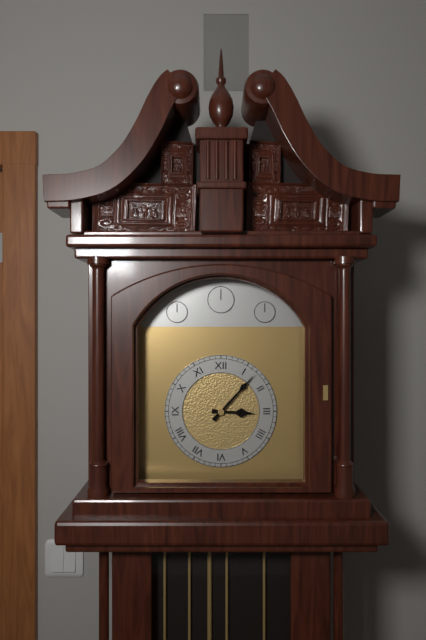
**3:07**
